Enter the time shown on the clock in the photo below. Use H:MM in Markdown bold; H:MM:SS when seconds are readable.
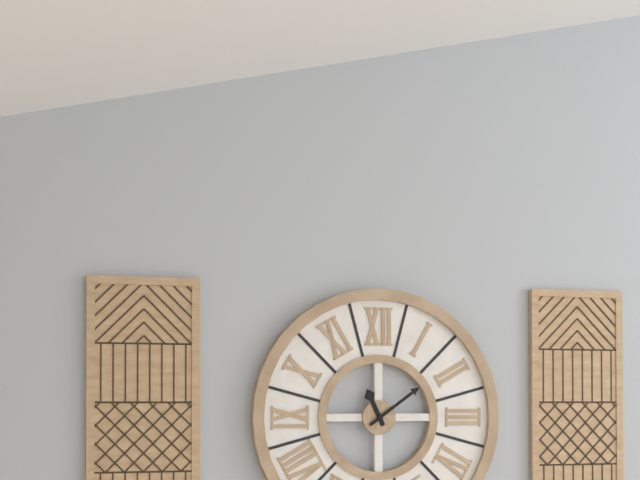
**11:09**
